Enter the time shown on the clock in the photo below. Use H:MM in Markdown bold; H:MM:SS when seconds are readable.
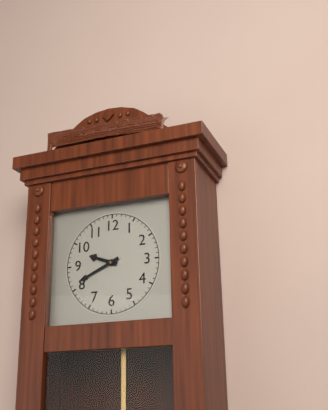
**9:41**
